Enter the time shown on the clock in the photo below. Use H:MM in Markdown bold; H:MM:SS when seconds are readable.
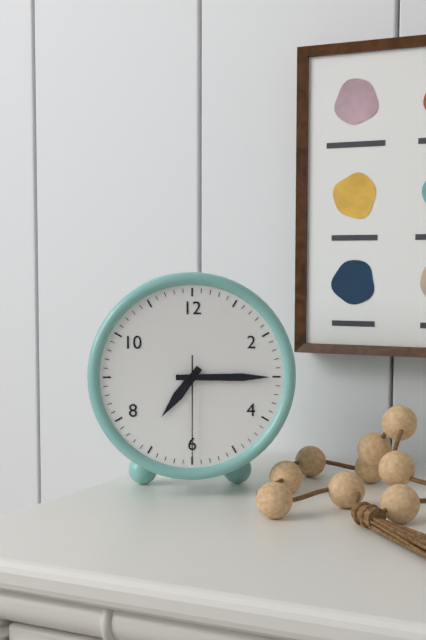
**7:15:30**
